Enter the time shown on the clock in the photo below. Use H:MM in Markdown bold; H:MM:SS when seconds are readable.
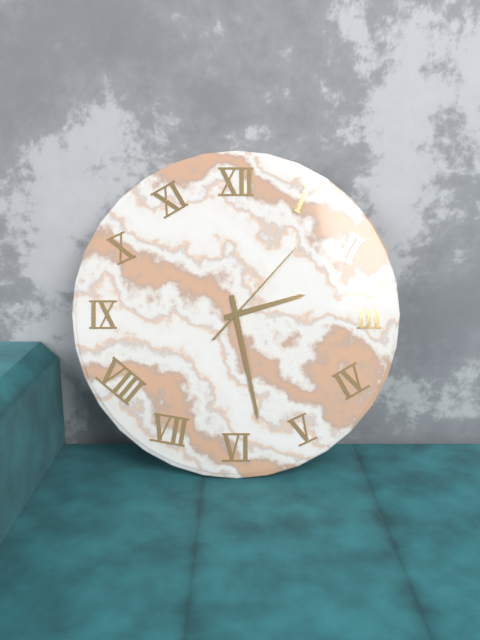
**2:28:07**
